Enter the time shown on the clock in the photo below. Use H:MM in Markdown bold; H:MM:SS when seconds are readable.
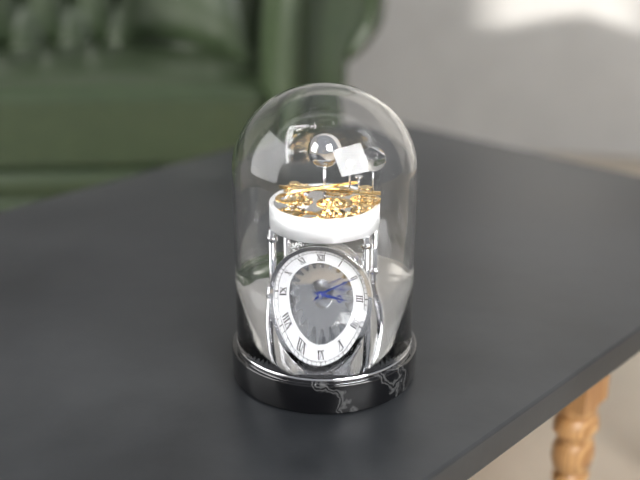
**3:10**
